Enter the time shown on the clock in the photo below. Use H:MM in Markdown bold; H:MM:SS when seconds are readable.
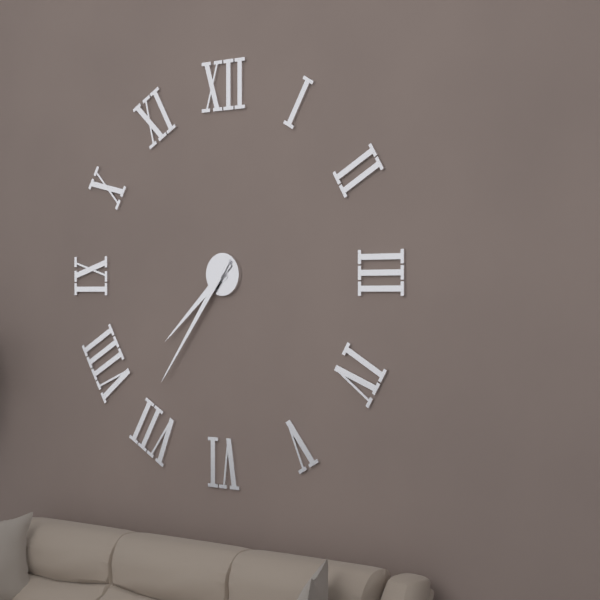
**7:36**
